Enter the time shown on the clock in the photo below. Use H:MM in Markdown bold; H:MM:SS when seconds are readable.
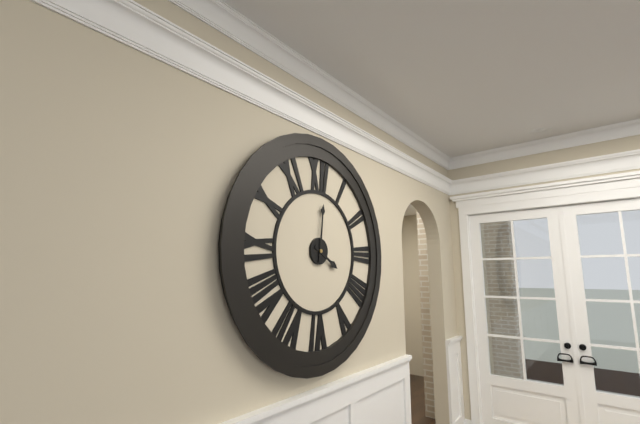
**4:01**
